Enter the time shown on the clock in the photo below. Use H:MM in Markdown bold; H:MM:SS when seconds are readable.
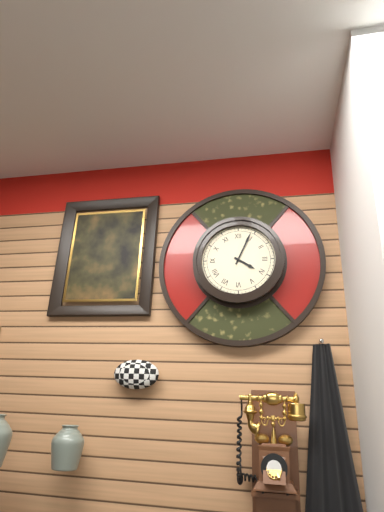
**4:04**
